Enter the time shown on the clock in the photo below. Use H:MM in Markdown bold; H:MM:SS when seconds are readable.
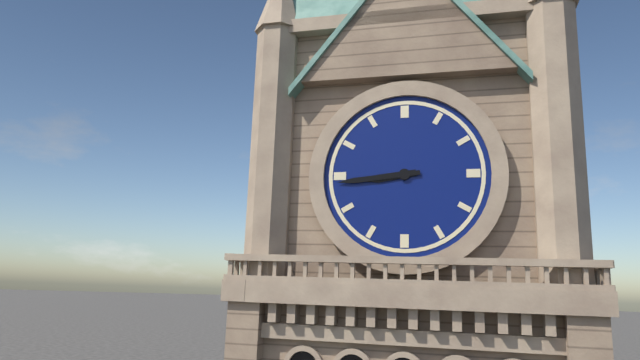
**8:44**
